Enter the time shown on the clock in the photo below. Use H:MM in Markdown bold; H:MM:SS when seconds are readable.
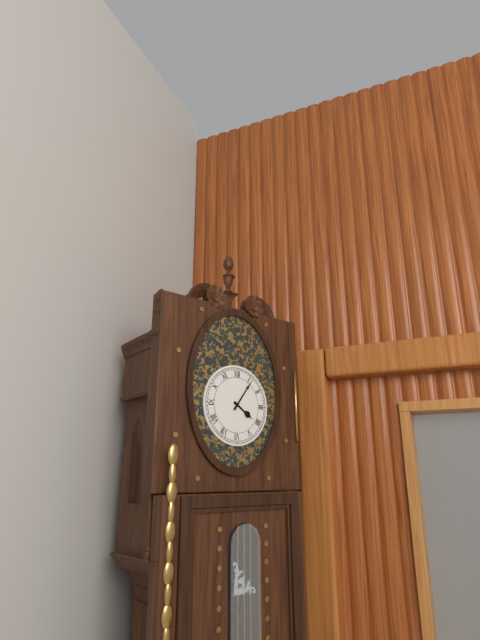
**4:06**
